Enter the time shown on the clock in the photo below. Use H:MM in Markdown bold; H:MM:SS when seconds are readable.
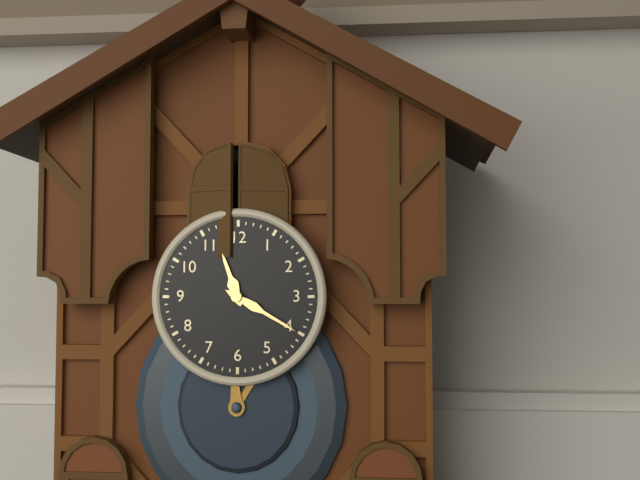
**11:20**
